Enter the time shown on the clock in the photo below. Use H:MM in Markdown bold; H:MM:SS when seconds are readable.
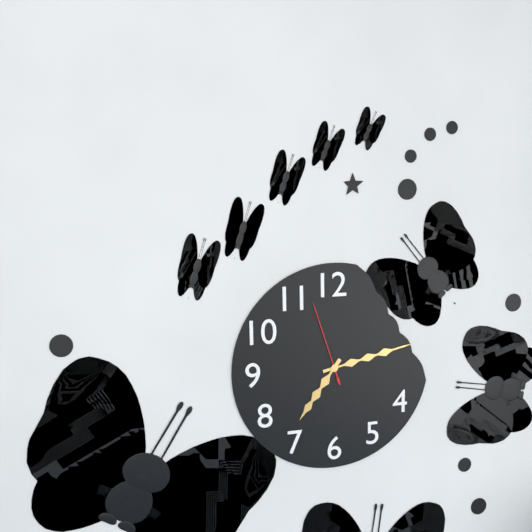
**7:13:57**
